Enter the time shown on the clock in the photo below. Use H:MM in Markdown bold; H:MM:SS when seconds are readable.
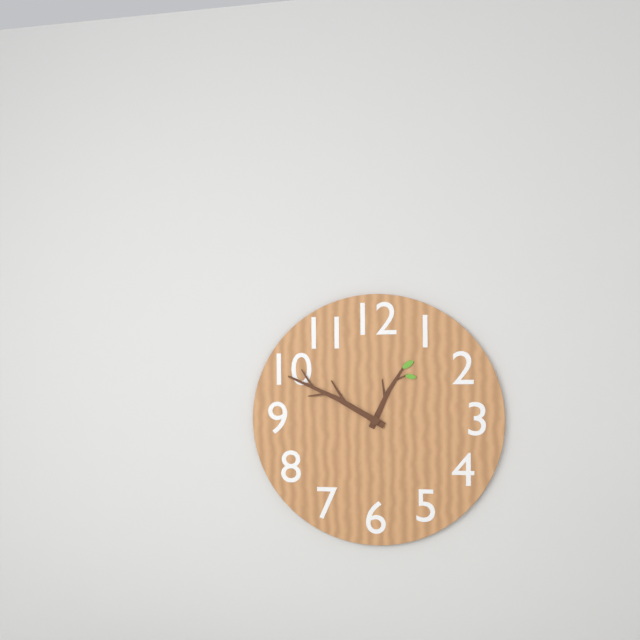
**12:50**
